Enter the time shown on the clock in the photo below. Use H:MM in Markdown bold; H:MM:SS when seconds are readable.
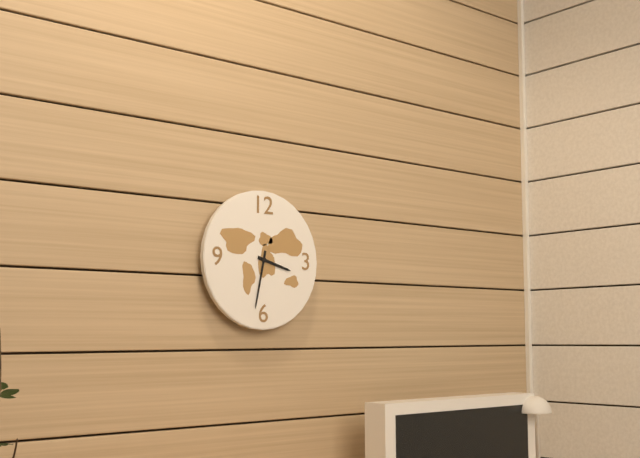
**3:32**
